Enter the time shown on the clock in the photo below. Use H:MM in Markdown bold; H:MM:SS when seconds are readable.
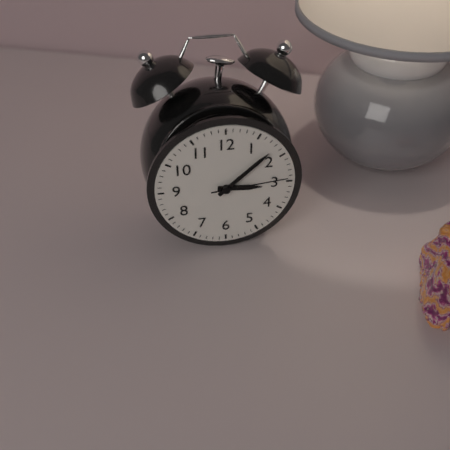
**3:08:14**
